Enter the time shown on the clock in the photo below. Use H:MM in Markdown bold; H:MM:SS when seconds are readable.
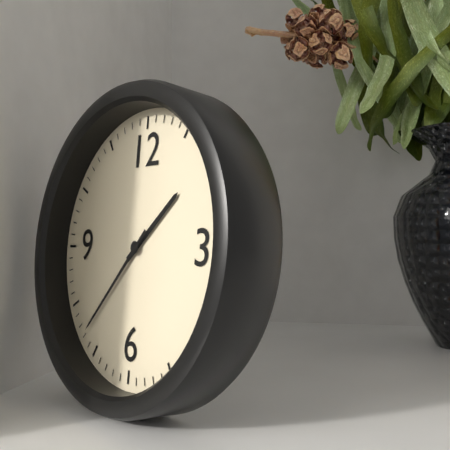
**1:37**
